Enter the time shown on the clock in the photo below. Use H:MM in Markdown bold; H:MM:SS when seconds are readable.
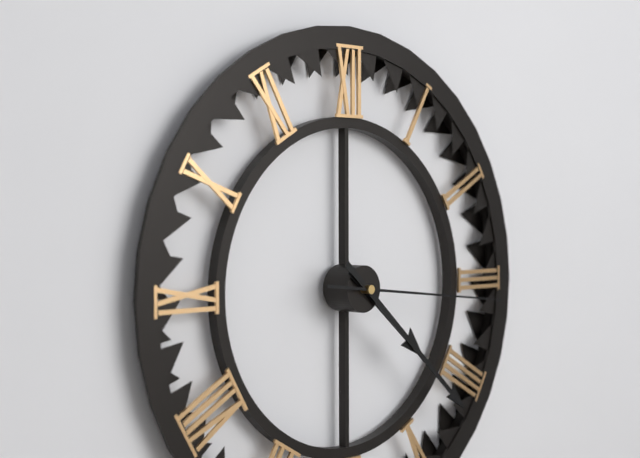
**4:22:16**
